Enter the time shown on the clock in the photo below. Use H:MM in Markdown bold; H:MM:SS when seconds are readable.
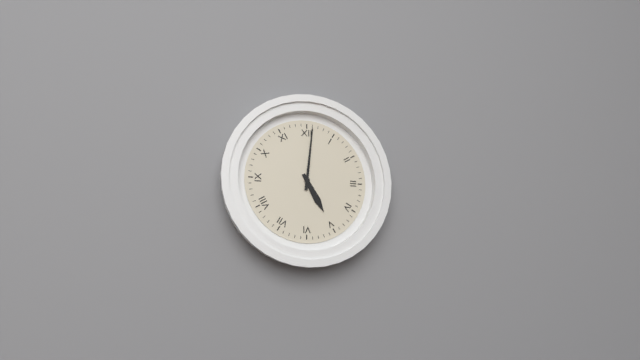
**5:01**
